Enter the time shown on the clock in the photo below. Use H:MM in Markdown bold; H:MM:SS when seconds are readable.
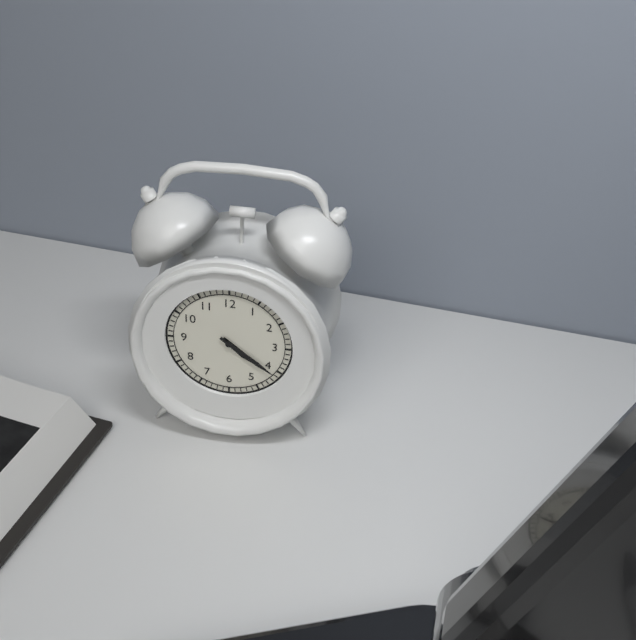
**4:21**
